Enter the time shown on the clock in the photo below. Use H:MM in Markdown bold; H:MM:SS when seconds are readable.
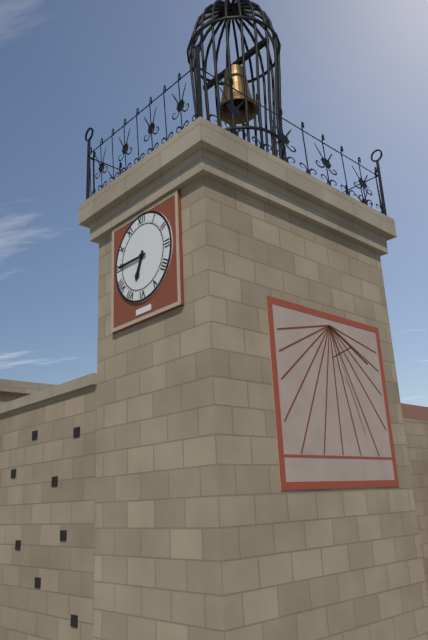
**6:45**
